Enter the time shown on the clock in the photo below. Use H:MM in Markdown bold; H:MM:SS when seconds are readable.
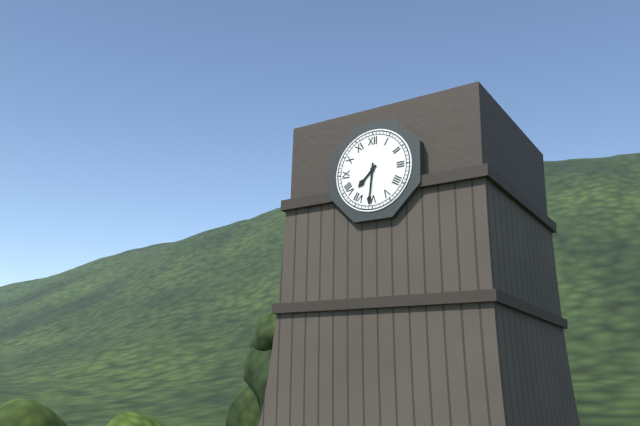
**7:31**
